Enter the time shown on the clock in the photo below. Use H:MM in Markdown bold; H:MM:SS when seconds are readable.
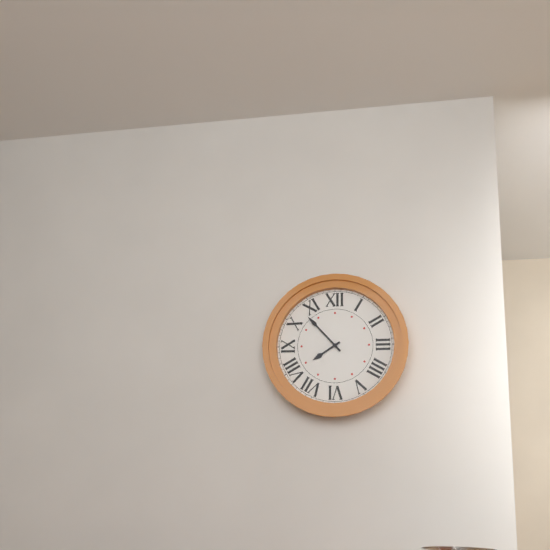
**7:53**
